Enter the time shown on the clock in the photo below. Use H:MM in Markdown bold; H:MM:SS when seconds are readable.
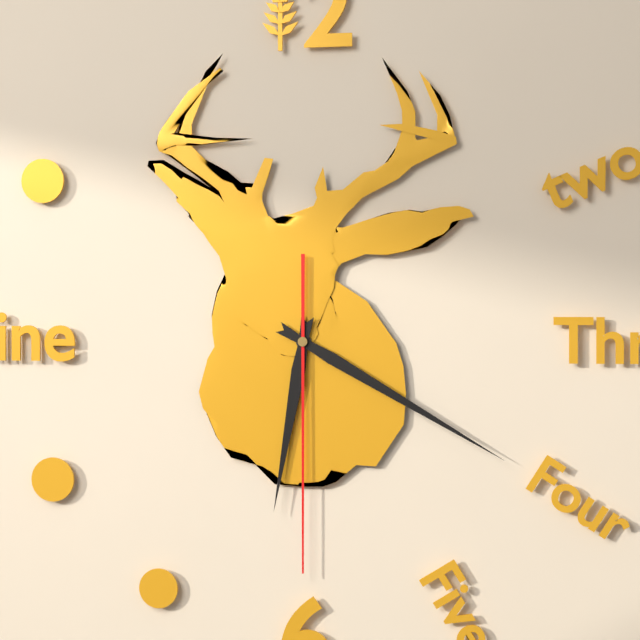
**6:20:30**
